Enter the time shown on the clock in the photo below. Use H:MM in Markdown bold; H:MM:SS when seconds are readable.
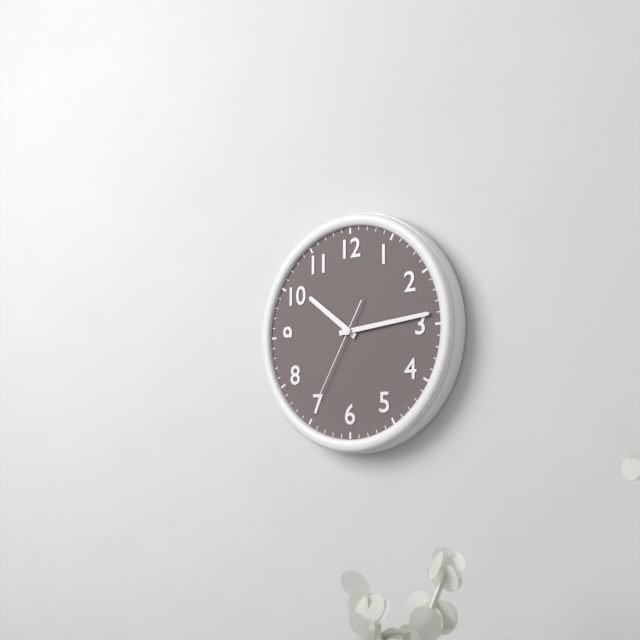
**10:14:35**
